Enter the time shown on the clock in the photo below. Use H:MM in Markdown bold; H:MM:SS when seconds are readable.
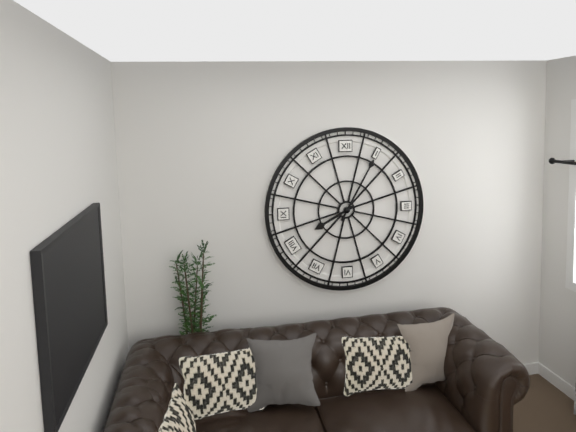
**8:05**
